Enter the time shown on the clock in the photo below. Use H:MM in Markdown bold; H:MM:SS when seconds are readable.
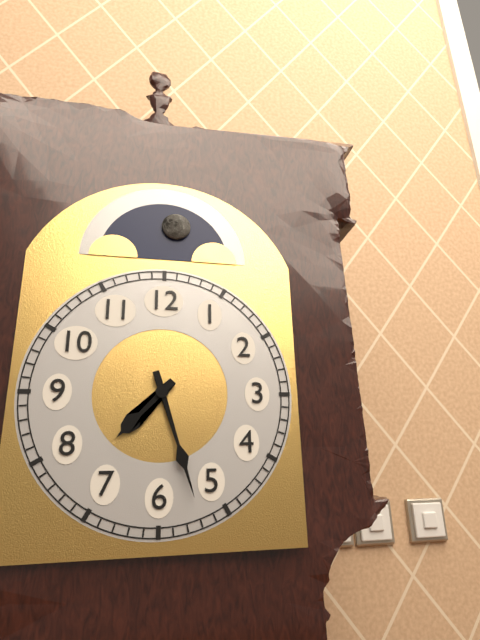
**7:27**
